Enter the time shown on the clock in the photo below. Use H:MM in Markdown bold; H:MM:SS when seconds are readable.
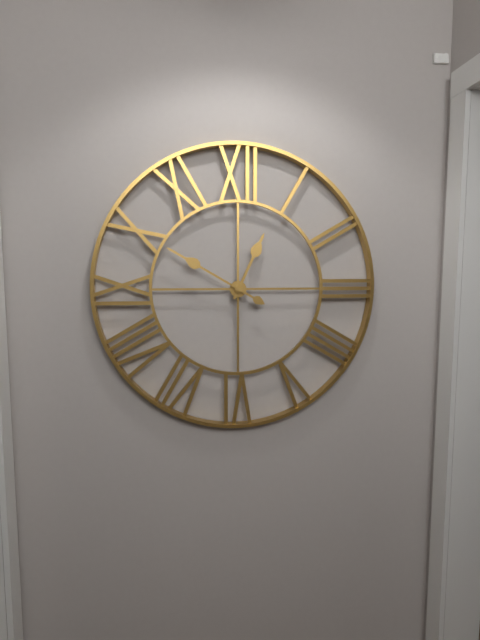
**12:50**
